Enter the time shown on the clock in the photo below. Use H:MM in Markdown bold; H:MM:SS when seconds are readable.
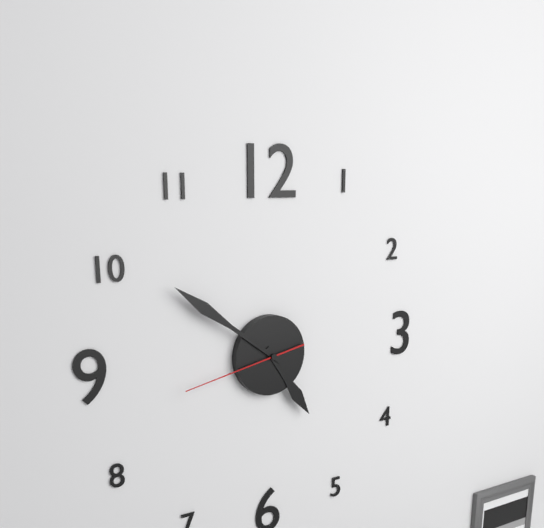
**4:51:43**
